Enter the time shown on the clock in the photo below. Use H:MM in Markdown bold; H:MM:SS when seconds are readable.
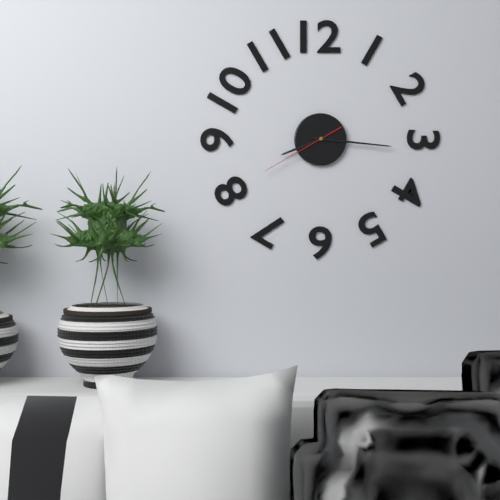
**8:16:40**
